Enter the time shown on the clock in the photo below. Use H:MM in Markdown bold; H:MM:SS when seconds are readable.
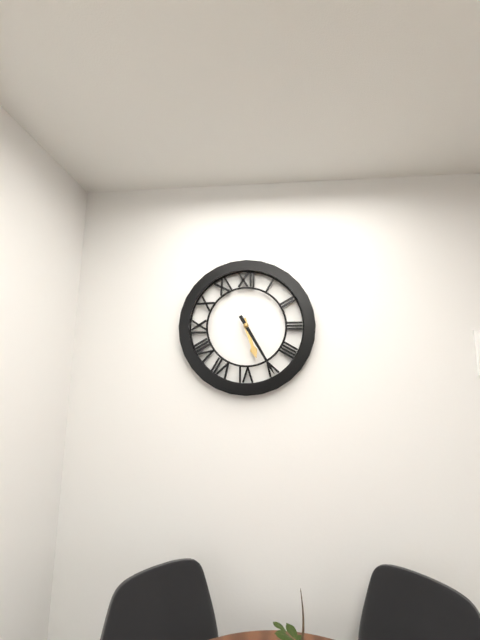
**5:25**
